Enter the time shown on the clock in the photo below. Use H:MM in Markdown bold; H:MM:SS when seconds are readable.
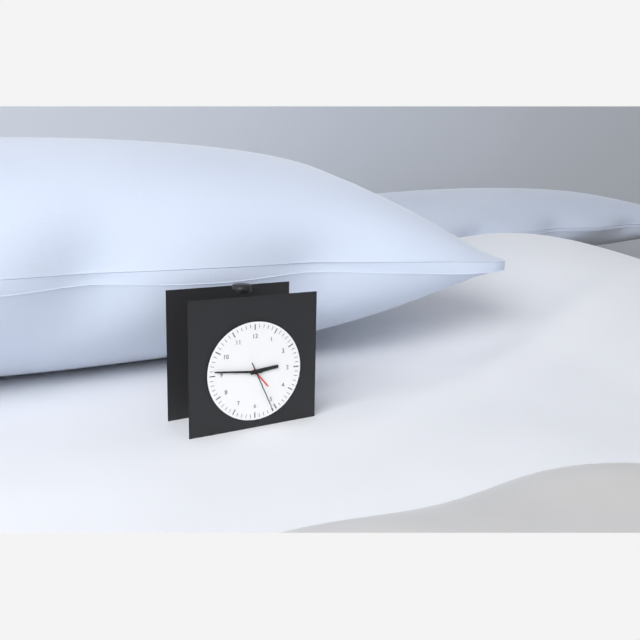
**2:46:26**
